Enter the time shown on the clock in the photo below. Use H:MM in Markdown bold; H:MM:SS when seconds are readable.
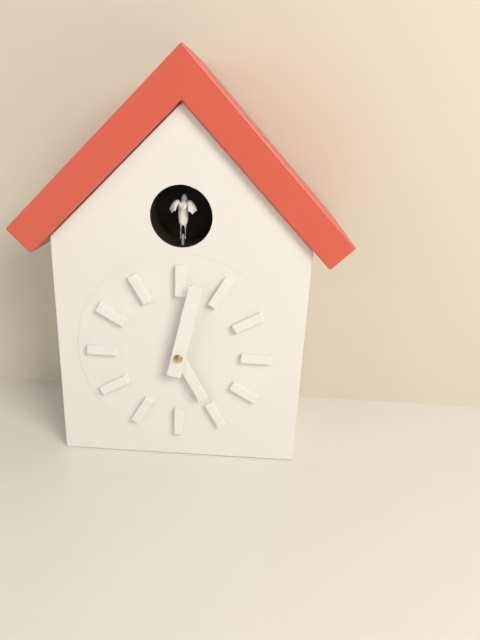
**5:02**
